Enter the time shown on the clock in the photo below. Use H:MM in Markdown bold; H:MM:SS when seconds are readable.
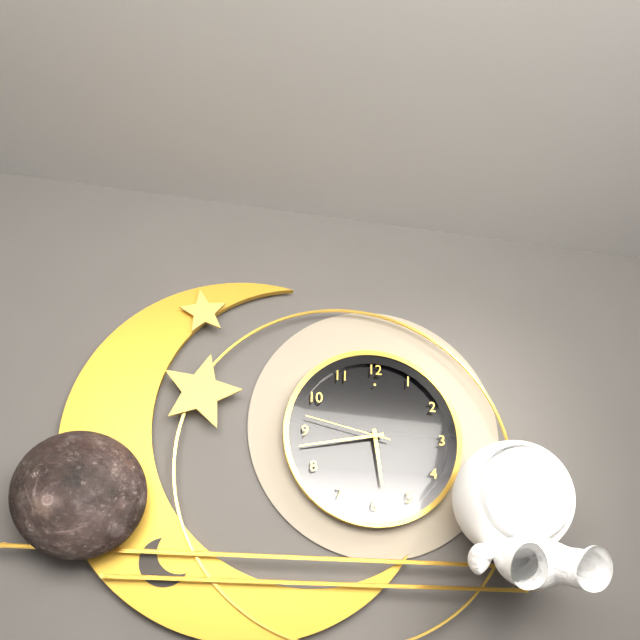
**5:43:47**
